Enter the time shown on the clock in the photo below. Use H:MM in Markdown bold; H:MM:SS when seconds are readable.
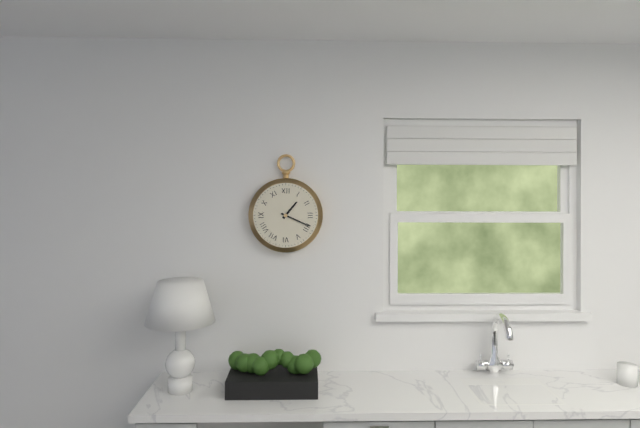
**1:19**
